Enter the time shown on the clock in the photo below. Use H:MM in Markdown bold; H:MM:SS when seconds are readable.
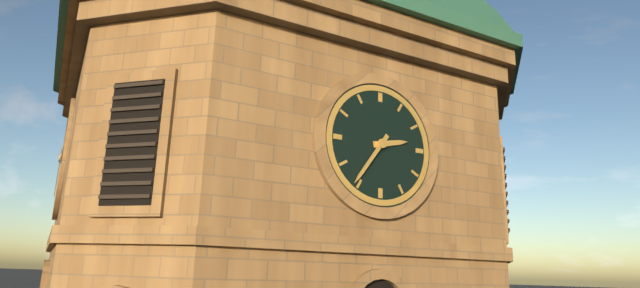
**2:36**
